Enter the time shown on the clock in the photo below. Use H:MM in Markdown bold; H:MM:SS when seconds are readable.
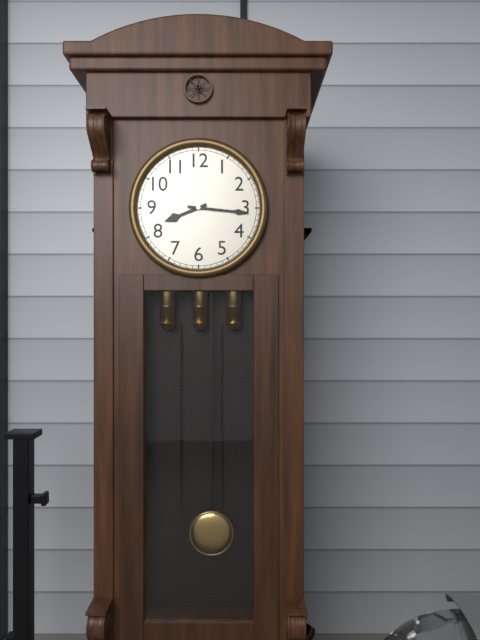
**8:16**
